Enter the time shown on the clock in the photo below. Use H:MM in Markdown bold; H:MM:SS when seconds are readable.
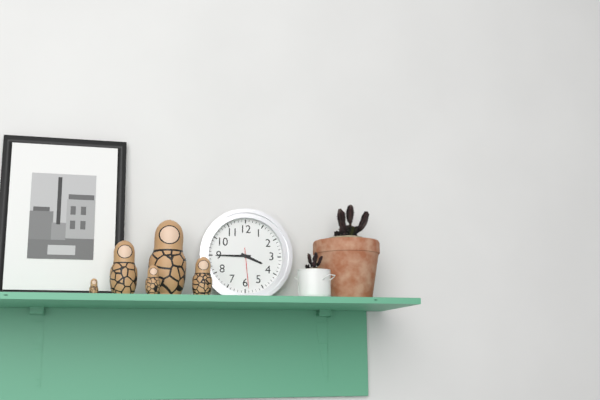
**3:45**
